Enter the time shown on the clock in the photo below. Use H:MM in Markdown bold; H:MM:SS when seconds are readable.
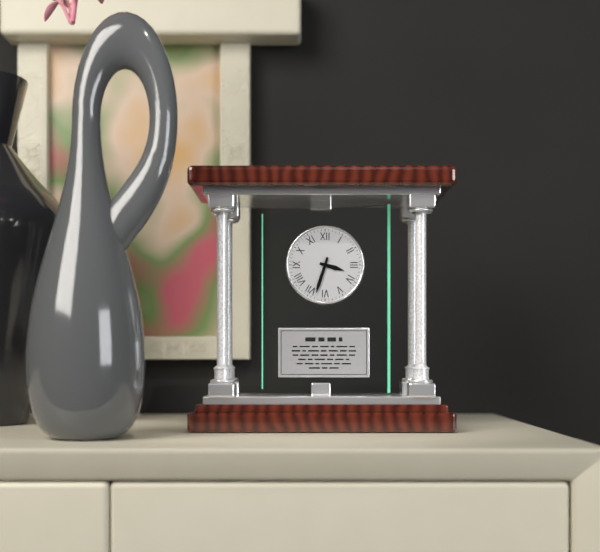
**3:33**
